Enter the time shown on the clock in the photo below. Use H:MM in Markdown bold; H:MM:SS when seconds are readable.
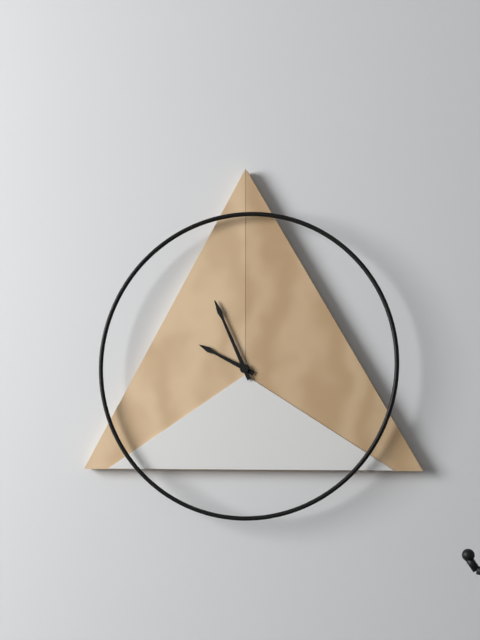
**9:56**
